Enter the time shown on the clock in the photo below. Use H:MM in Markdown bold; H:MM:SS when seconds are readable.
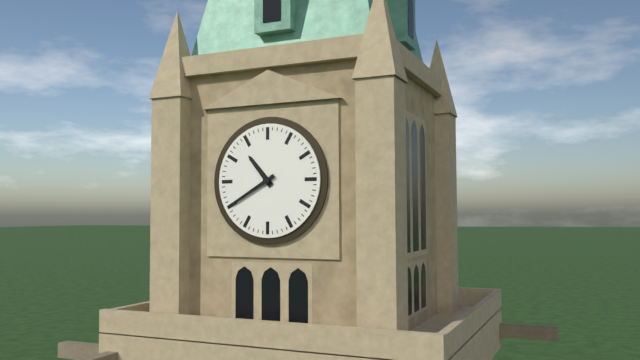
**10:40**
